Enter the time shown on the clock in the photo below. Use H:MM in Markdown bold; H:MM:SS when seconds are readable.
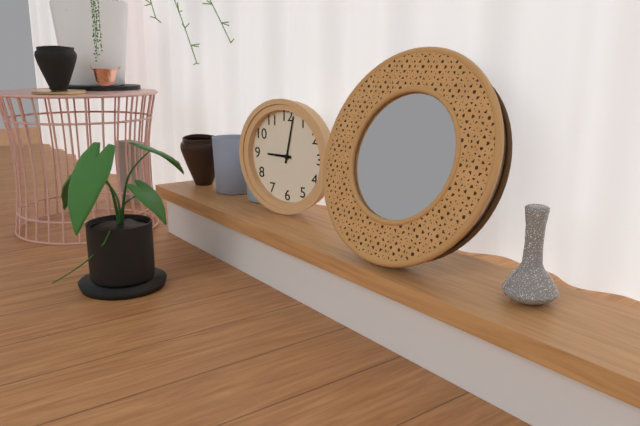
**9:02**
